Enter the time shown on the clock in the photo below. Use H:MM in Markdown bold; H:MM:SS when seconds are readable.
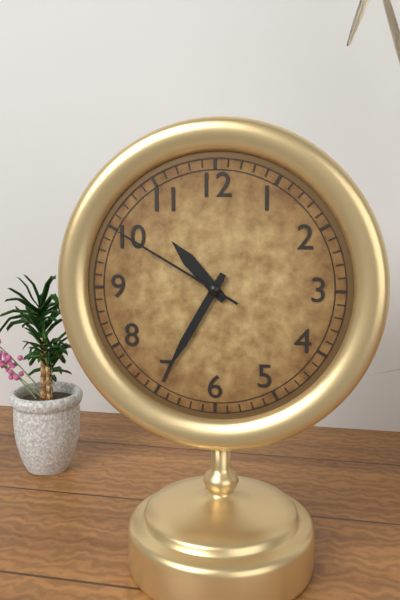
**10:35:50**
